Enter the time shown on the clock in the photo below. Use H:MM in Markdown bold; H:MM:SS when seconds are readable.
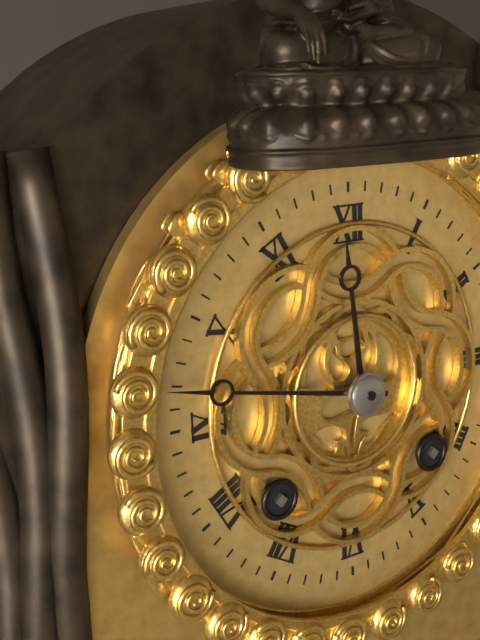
**11:47**
